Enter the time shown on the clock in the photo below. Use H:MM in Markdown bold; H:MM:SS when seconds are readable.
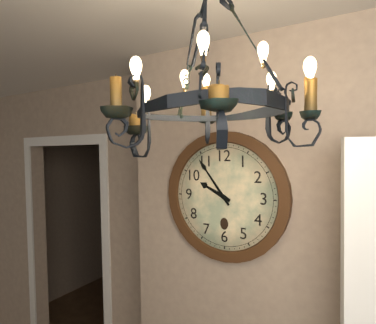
**9:54**
